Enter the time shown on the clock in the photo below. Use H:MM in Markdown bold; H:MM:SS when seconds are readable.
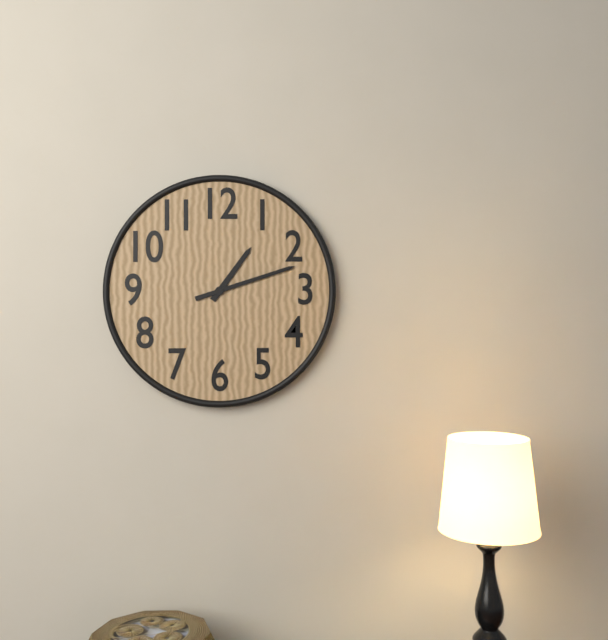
**1:12**
